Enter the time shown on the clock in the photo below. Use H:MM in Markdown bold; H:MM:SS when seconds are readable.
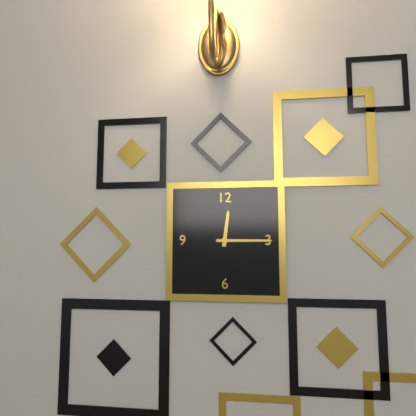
**12:15**
